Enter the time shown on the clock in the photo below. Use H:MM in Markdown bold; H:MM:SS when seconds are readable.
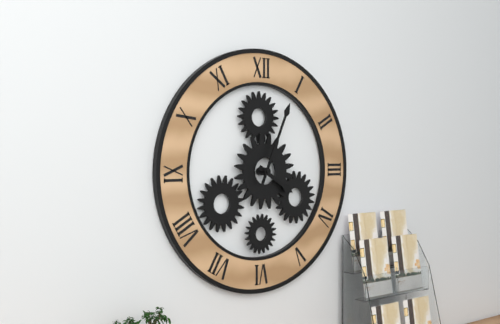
**4:04**
